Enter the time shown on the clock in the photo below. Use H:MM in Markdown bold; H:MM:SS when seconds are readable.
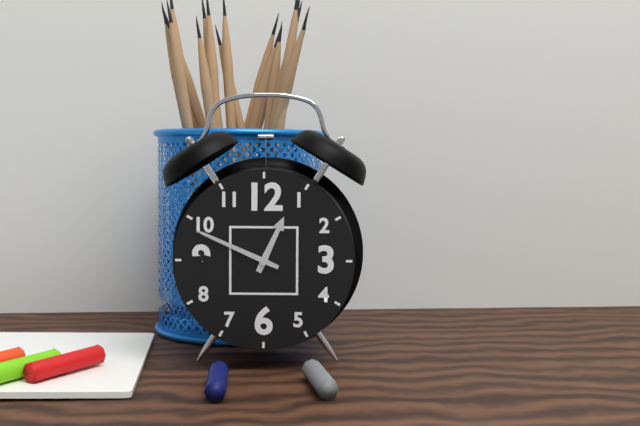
**12:49**
